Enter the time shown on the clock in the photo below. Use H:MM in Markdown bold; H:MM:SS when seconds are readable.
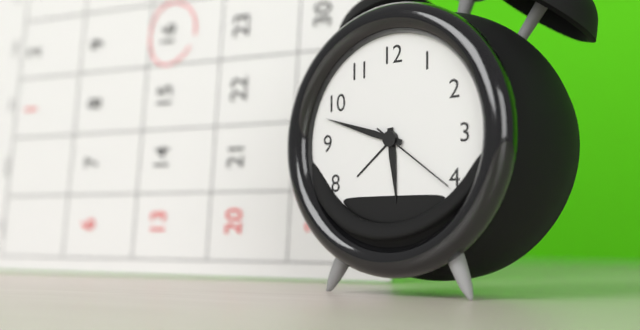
**5:48:21**
